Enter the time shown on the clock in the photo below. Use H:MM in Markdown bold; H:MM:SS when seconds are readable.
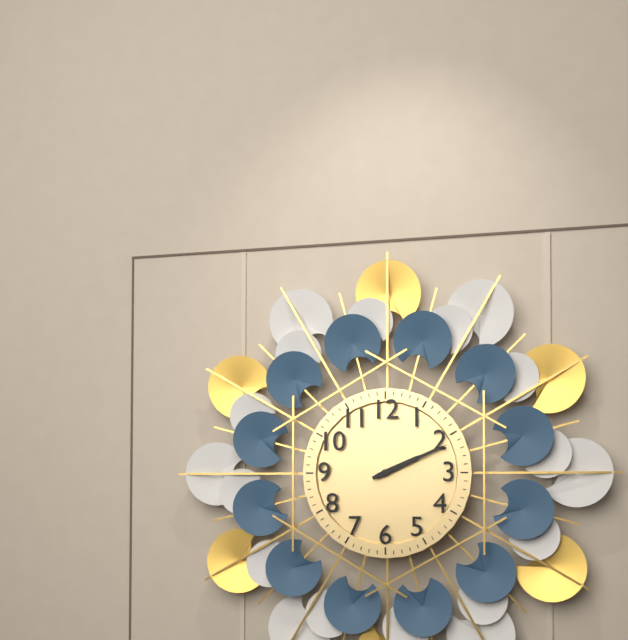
**2:11**
